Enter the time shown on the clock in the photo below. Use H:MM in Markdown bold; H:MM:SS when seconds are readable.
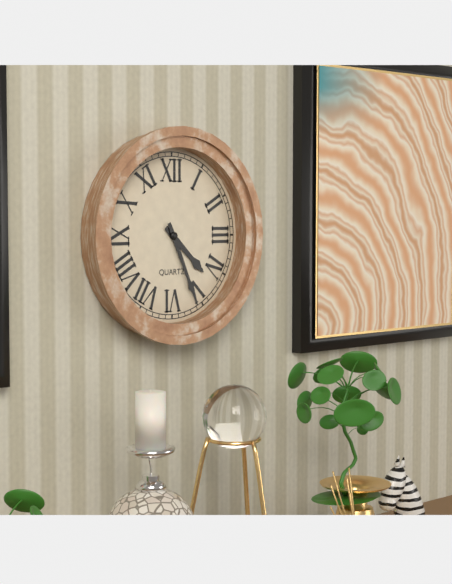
**4:26**
